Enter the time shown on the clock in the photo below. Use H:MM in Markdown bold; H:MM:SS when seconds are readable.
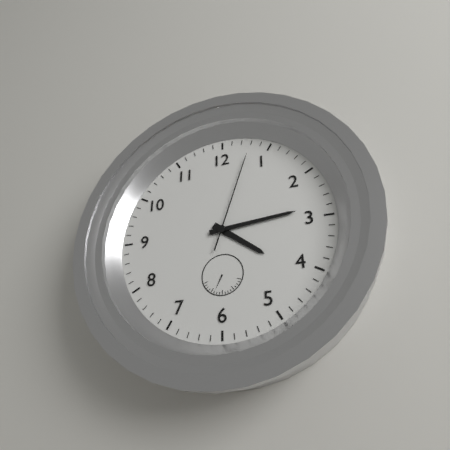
**4:14:03**
